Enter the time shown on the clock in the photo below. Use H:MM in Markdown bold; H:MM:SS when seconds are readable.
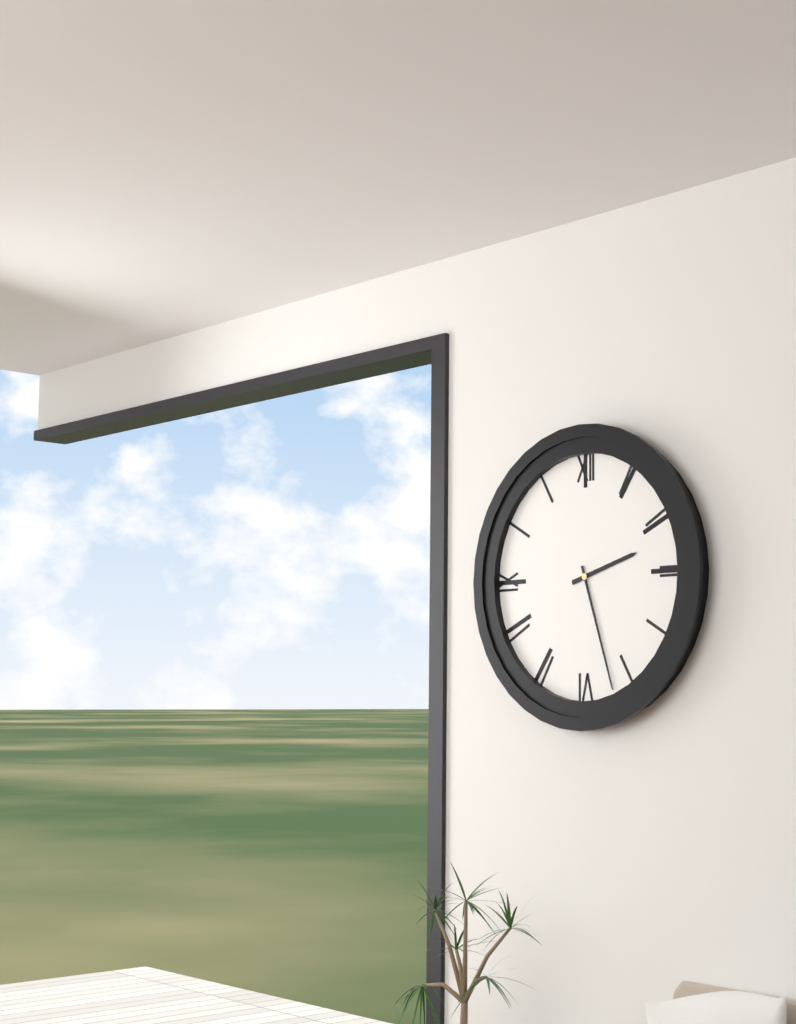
**2:27**
